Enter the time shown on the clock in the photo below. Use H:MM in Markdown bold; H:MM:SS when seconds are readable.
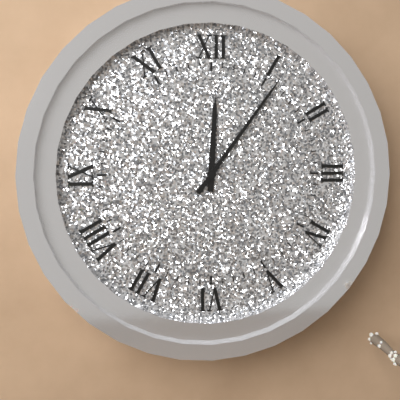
**12:06**
